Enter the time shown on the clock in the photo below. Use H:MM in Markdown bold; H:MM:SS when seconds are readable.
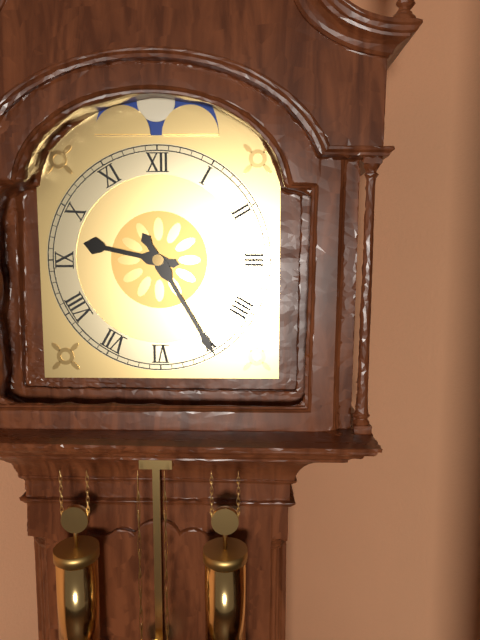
**9:25**
